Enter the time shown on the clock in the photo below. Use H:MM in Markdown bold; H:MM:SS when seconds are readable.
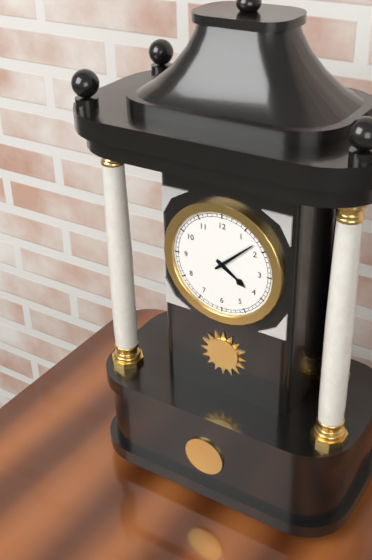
**4:08**
